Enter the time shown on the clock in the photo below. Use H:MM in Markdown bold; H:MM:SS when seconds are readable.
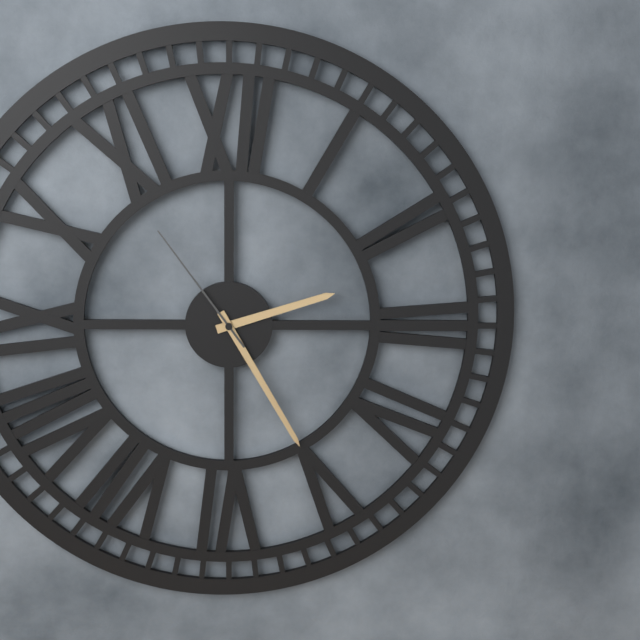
**2:25:54**
